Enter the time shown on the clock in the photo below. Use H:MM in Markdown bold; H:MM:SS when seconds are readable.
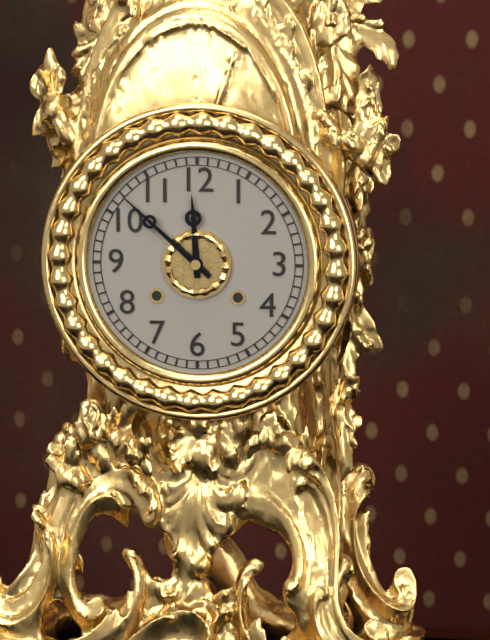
**11:52**
